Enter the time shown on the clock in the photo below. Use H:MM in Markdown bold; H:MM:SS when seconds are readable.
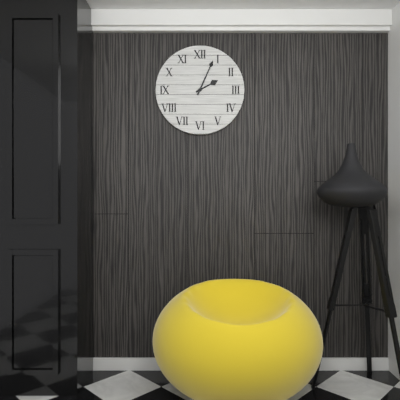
**2:04**
